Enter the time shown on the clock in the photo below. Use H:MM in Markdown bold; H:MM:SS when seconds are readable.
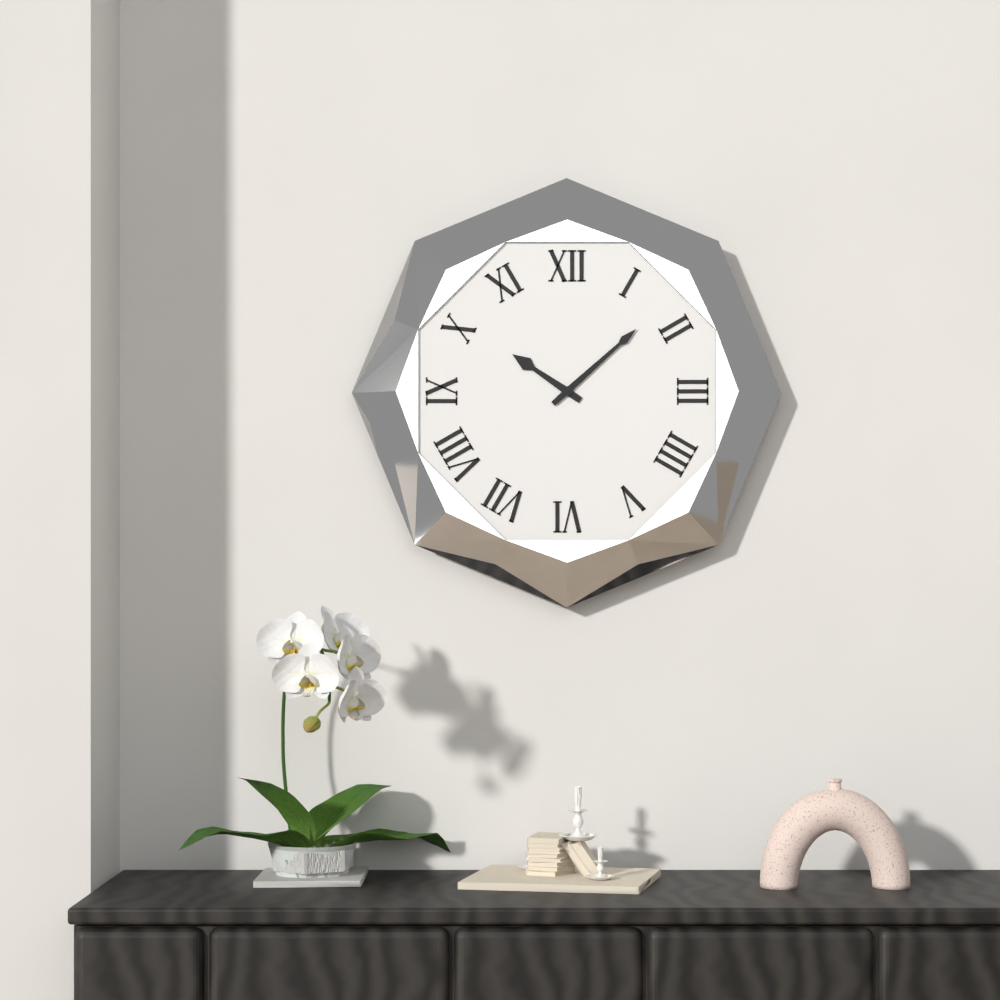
**10:08**
